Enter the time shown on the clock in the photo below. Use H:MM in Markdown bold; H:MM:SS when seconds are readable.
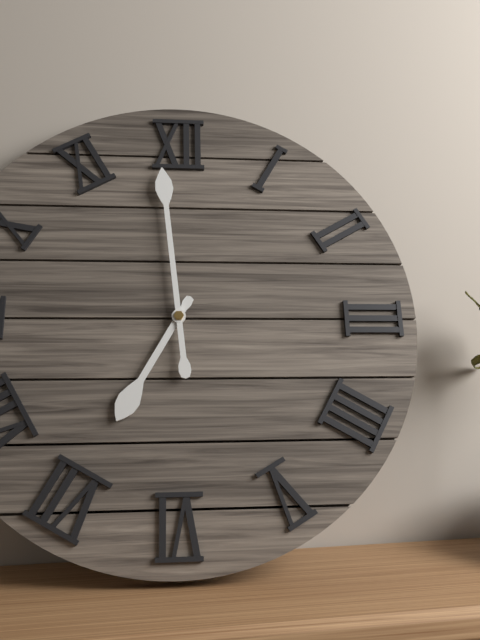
**6:59**
